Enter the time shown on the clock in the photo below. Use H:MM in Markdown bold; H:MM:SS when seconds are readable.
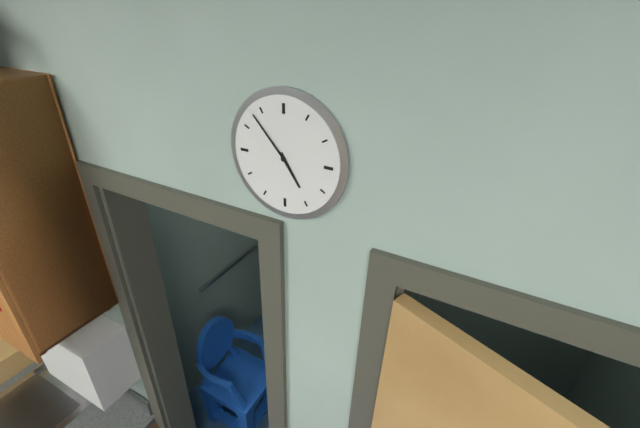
**4:53**
